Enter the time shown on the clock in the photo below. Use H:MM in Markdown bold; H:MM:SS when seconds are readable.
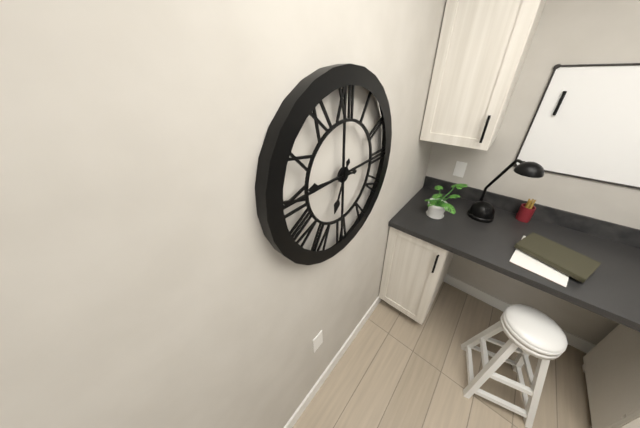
**6:46**
